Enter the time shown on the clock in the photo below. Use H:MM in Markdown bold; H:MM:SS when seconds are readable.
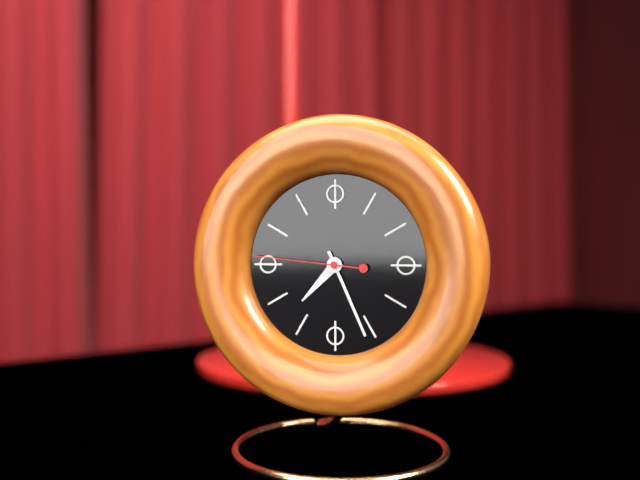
**7:26:46**
